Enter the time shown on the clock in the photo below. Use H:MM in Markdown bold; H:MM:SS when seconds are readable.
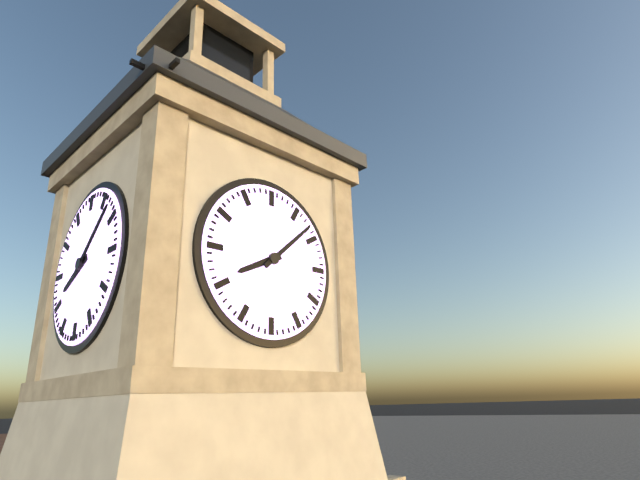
**8:08**
